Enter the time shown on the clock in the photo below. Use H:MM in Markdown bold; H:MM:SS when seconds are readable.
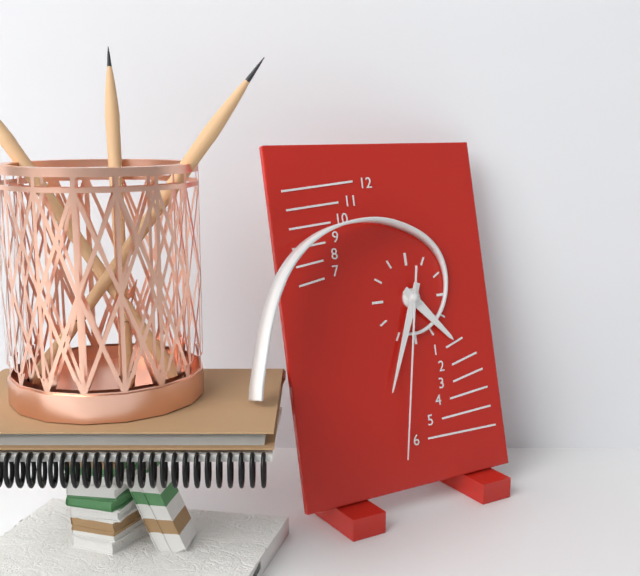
**4:34:32**
